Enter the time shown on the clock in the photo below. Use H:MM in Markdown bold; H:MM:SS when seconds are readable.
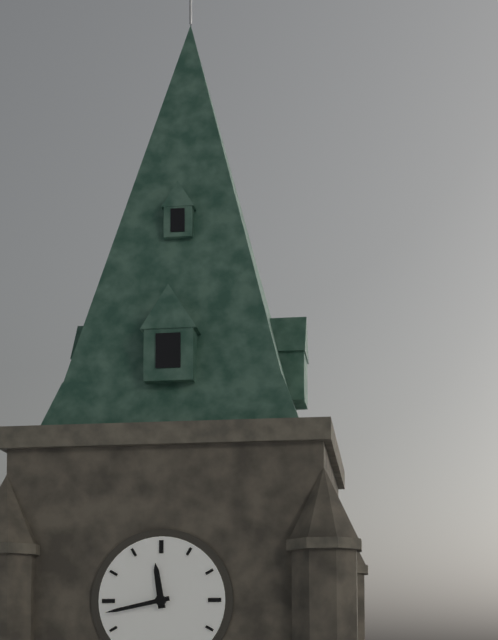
**11:43**
